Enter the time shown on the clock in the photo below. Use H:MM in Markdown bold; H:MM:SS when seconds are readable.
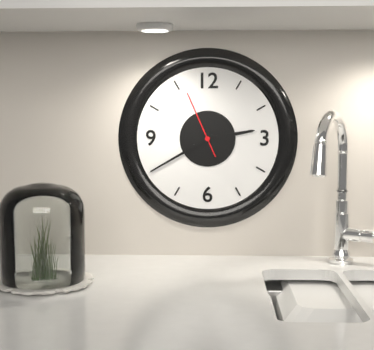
**2:40:56**
